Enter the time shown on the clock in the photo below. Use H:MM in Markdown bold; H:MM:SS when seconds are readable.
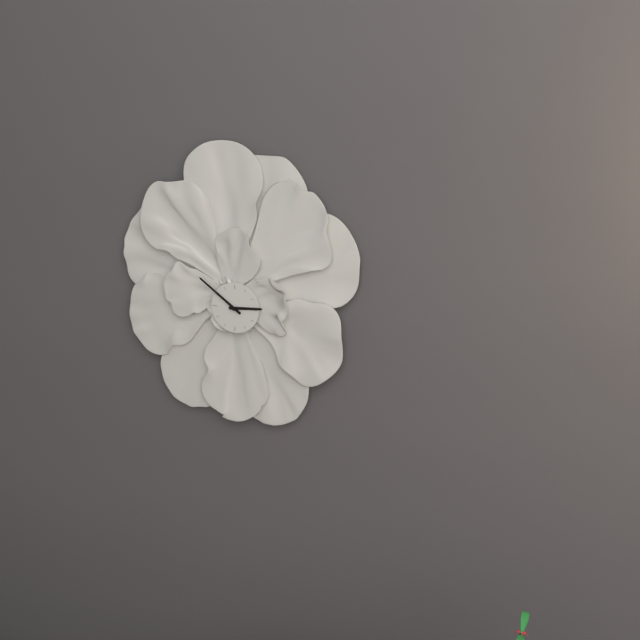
**2:51**
